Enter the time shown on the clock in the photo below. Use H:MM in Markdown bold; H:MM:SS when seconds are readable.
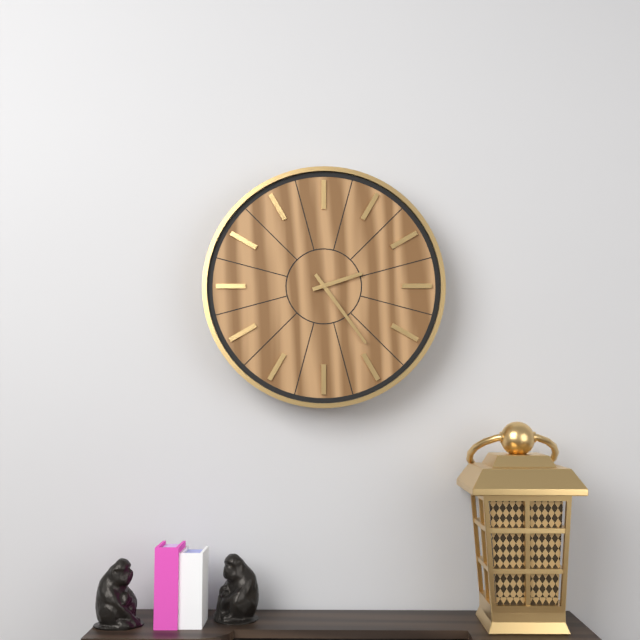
**2:24**
